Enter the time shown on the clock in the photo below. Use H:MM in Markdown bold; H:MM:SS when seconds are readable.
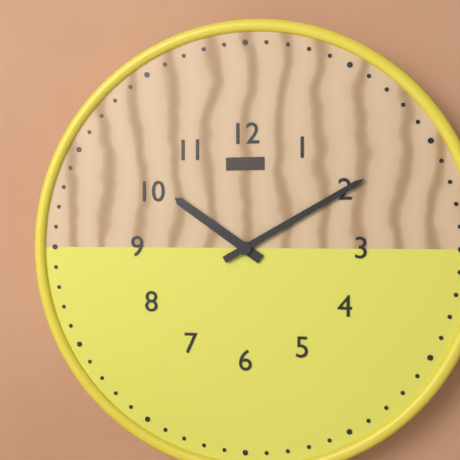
**10:10**
